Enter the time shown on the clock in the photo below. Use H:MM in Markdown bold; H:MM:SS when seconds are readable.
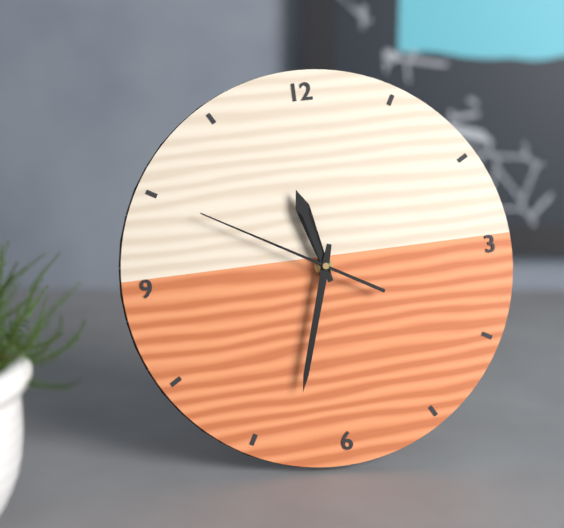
**11:33:50**
